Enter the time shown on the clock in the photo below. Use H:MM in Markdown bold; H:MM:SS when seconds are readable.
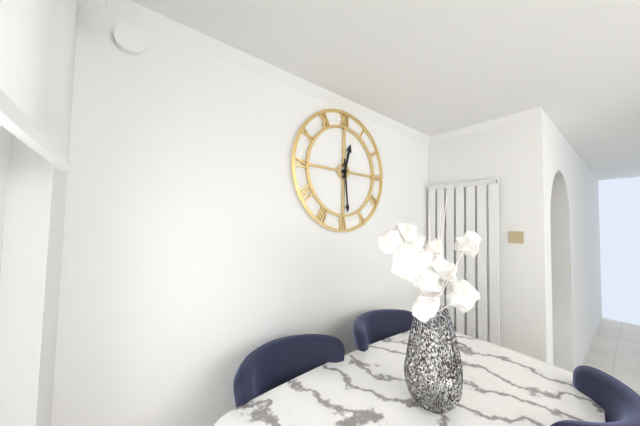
**12:29**
